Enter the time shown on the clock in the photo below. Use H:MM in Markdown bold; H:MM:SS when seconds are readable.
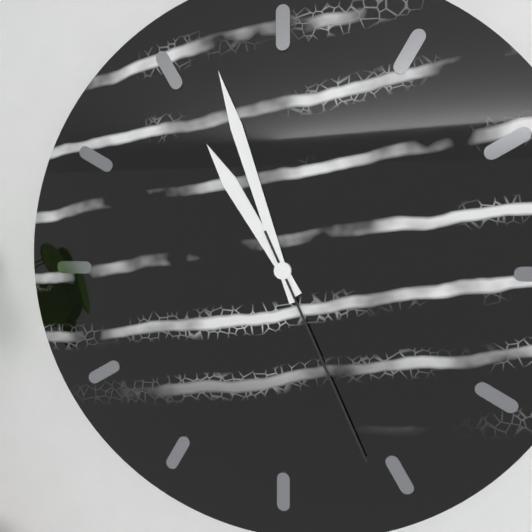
**10:57:26**
